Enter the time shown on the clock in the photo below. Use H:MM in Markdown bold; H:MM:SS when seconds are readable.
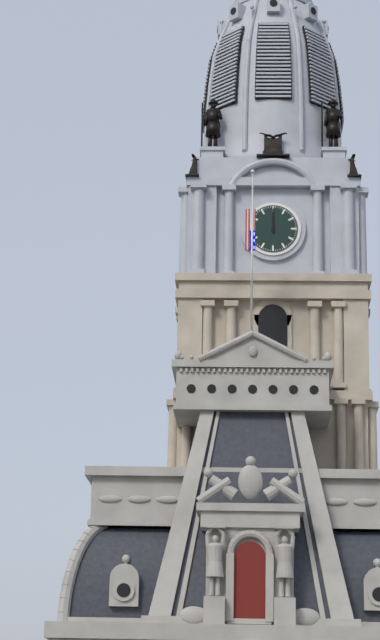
**12:00**
